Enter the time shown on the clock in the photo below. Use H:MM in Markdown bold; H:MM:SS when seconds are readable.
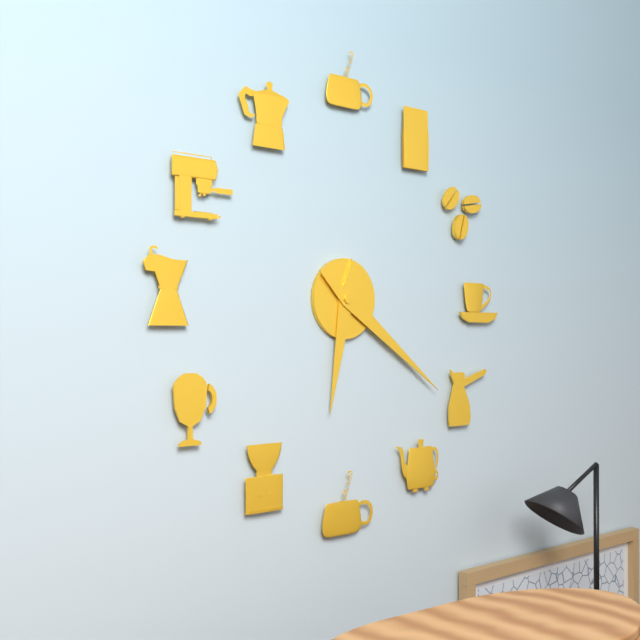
**6:21**
